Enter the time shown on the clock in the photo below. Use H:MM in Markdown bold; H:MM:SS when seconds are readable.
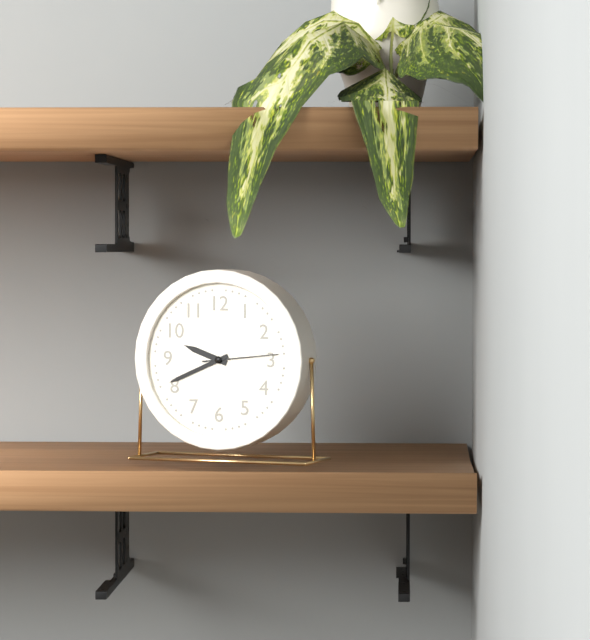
**9:41:14**
